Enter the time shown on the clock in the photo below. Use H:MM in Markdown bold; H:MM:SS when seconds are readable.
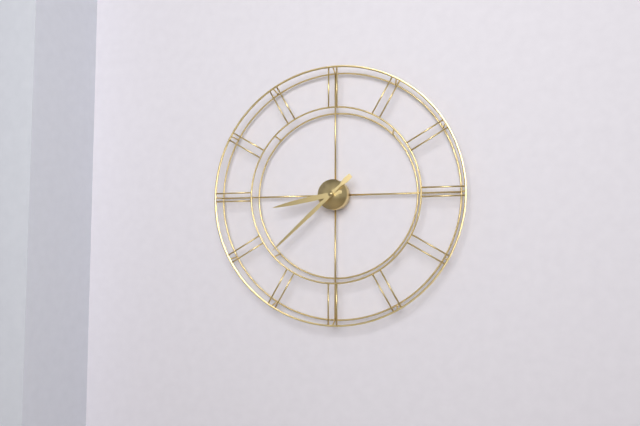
**8:38**
